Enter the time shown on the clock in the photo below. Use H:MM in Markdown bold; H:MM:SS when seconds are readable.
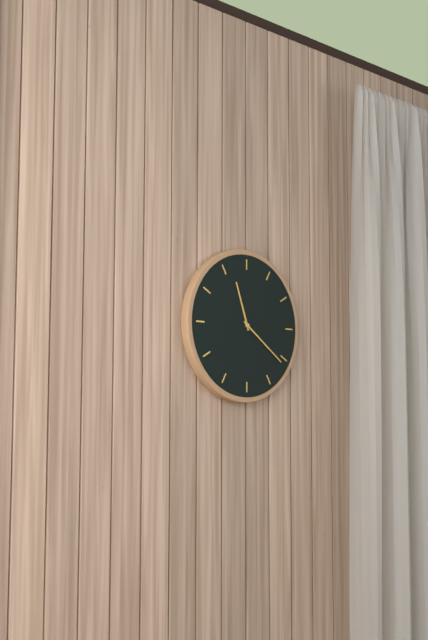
**11:21**
